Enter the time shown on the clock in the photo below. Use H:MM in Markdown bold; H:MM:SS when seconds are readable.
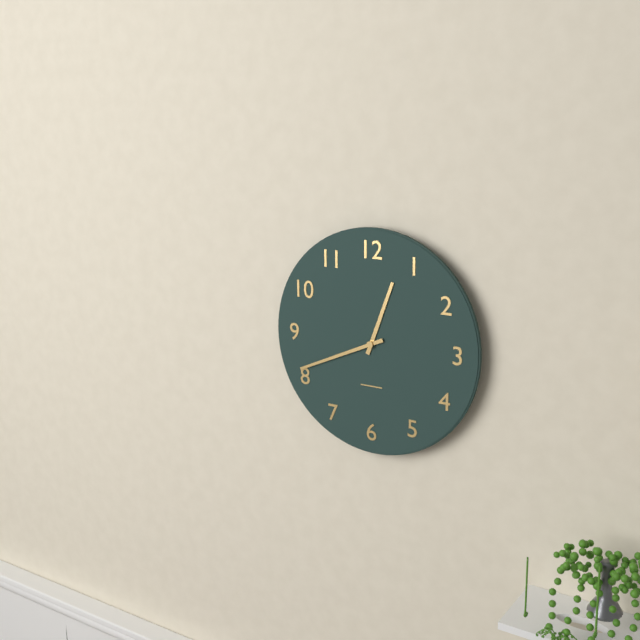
**12:41**
